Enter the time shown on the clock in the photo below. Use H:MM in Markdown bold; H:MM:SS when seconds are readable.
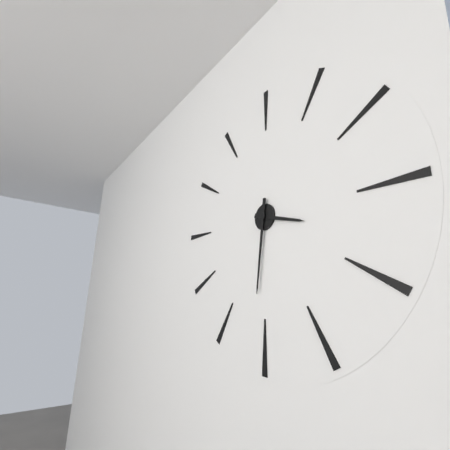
**3:31**
